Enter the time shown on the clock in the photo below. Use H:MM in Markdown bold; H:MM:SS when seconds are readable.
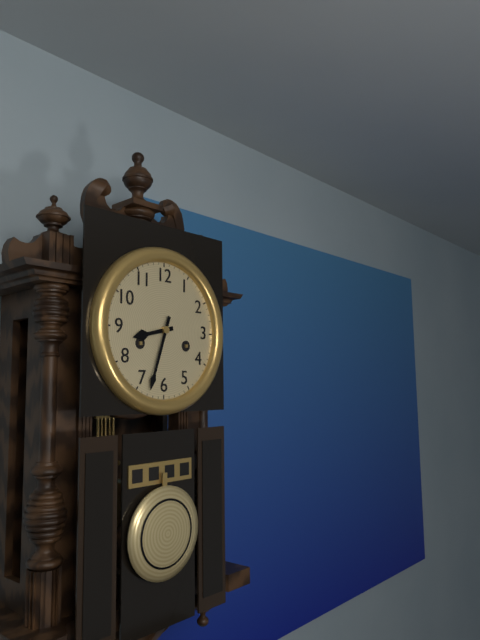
**8:33**
